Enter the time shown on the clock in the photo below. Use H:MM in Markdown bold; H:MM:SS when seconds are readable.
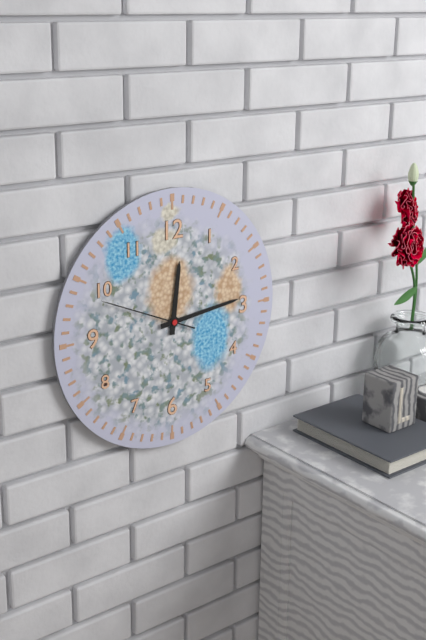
**12:14:49**
